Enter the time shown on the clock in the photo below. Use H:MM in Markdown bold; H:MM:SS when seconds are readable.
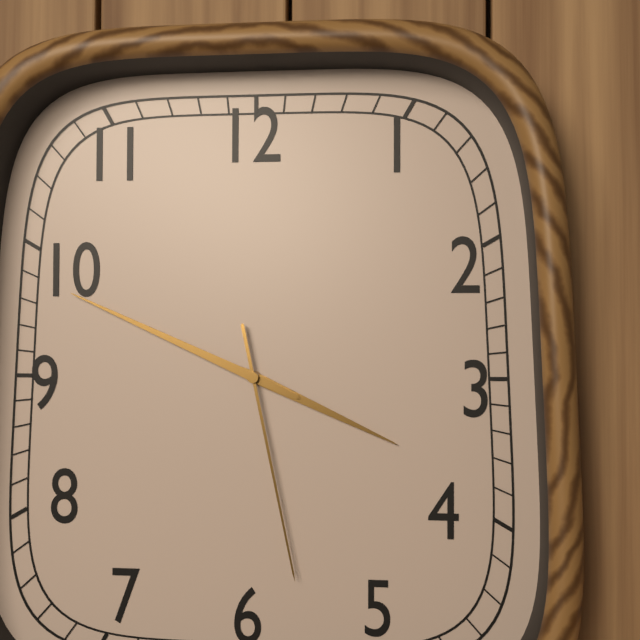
**3:49:28**
